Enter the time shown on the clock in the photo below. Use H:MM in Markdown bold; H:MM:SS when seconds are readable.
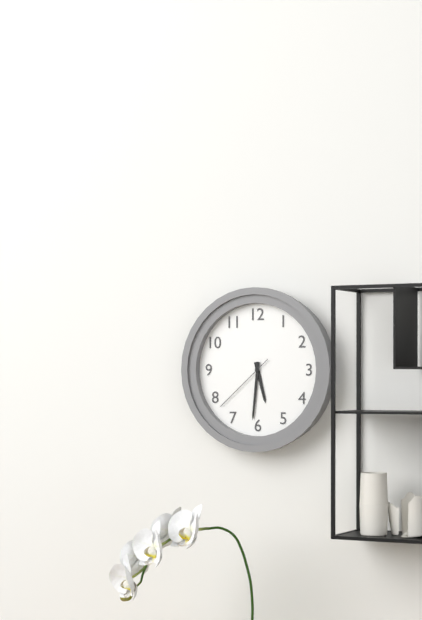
**5:31:38**
